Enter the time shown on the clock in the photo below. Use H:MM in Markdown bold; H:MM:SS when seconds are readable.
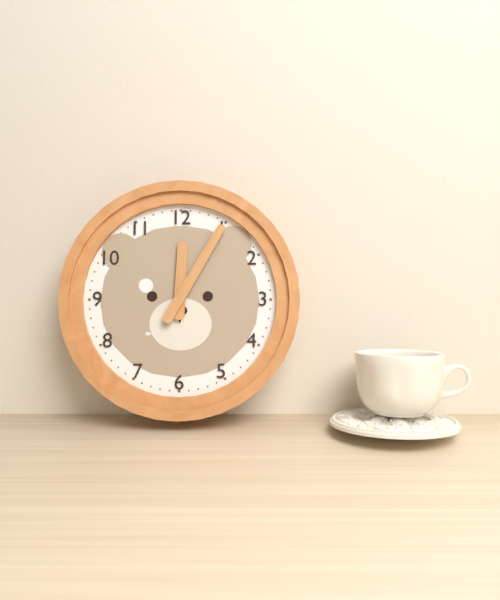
**12:05**
